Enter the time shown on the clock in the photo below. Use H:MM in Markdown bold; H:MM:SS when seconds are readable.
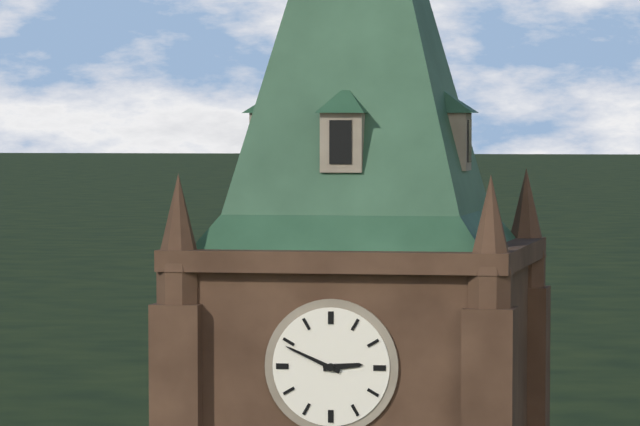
**2:49**
